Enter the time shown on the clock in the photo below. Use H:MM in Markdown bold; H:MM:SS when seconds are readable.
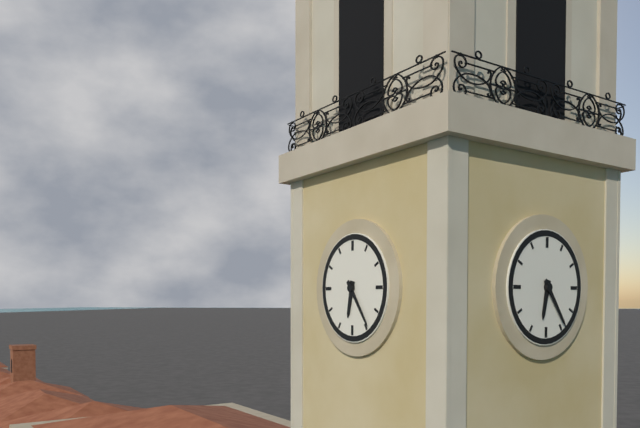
**6:24**
